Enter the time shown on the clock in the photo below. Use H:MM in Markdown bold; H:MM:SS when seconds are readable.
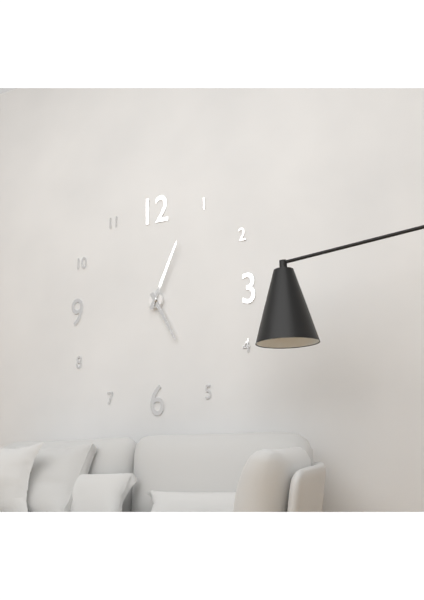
**5:04**
